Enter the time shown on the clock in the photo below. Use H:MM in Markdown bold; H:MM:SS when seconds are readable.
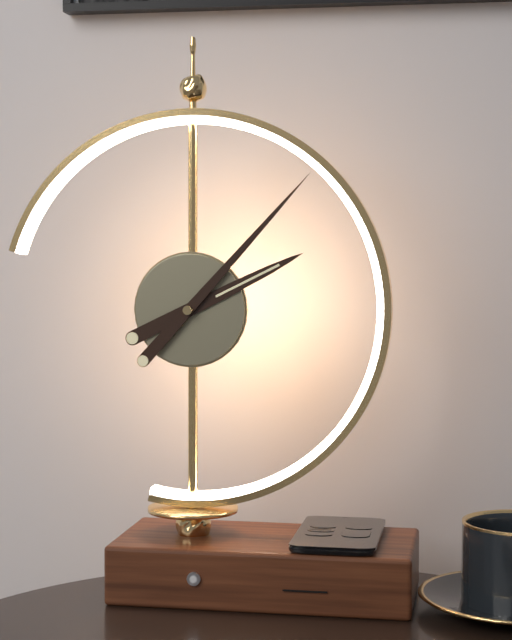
**2:07**
